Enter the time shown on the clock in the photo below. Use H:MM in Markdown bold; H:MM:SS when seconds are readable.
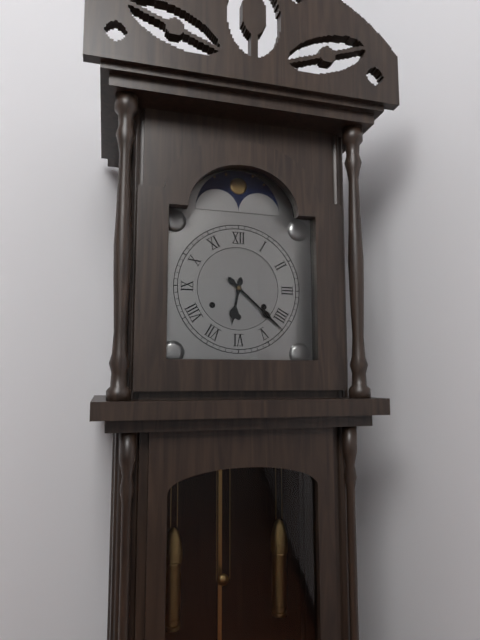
**6:22**
